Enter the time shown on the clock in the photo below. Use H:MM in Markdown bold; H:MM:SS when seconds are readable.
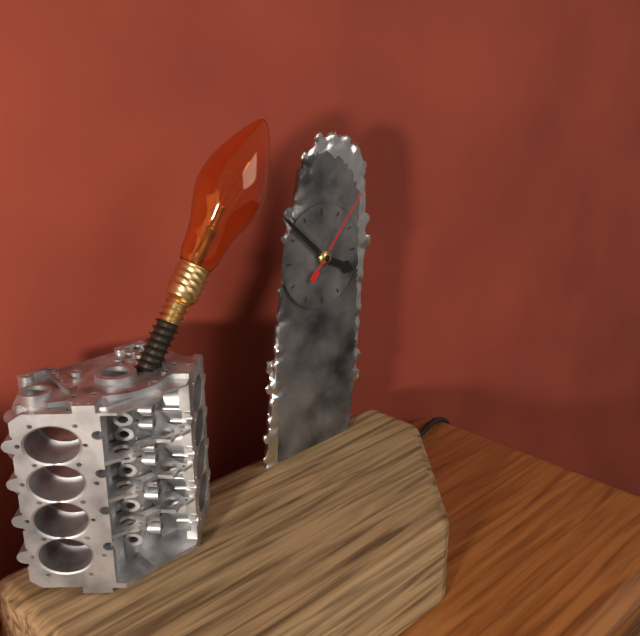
**3:52:07**
